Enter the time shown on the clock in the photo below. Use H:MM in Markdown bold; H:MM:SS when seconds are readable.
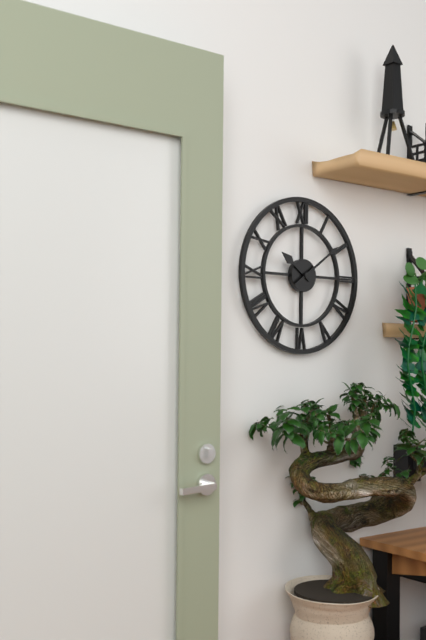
**10:09**
